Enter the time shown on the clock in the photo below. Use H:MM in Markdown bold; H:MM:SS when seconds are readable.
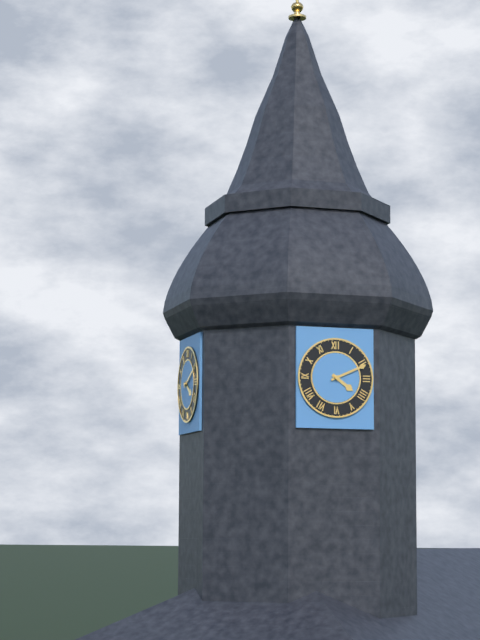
**4:11**
